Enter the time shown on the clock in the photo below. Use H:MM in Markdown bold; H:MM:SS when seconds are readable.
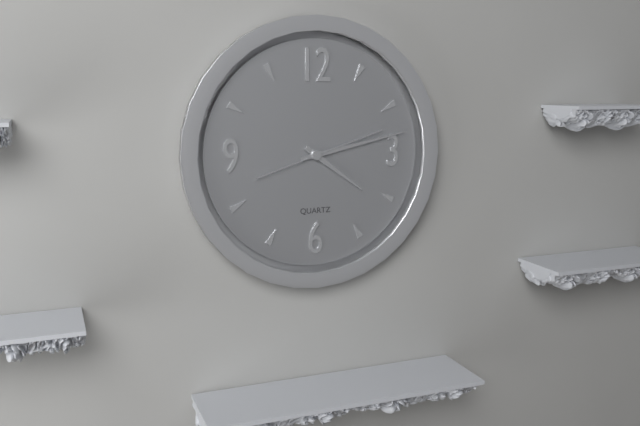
**4:13:12**
